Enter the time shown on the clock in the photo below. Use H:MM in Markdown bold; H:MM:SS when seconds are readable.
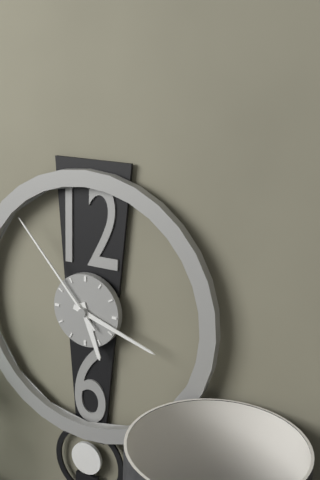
**5:18:53**
